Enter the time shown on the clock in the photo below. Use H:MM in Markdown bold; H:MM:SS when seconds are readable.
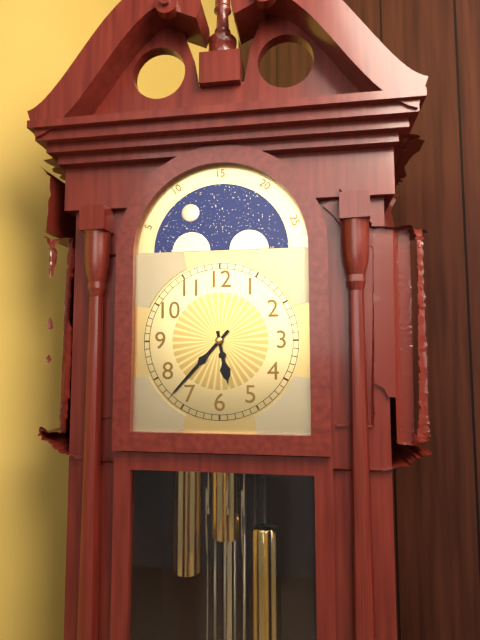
**5:37**
